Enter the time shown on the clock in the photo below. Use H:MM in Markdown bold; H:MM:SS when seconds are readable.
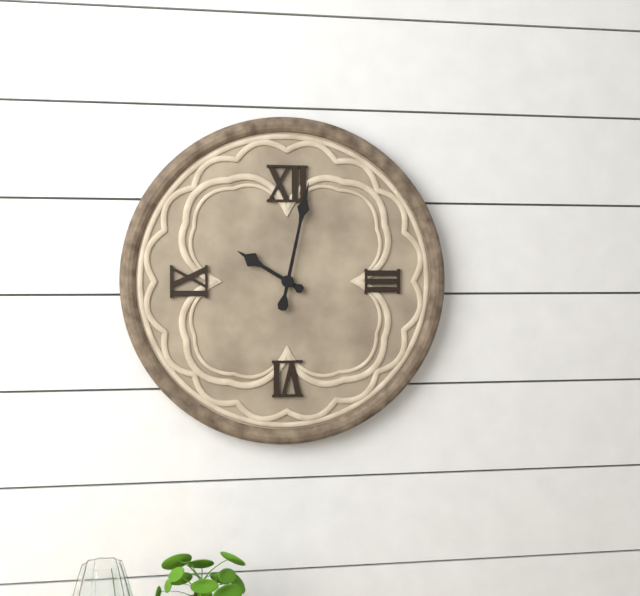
**10:02**
